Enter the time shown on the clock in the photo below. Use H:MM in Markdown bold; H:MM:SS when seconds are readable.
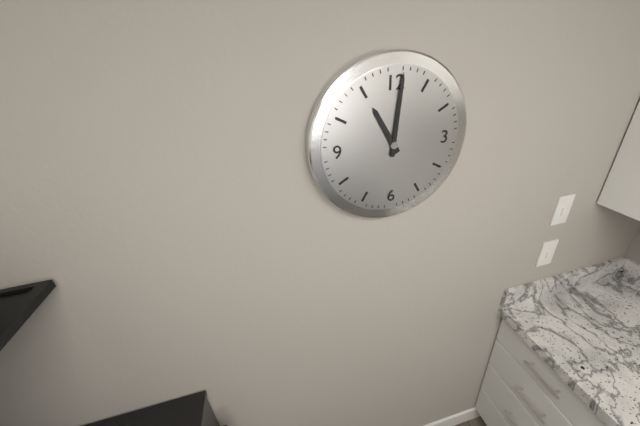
**11:01**
